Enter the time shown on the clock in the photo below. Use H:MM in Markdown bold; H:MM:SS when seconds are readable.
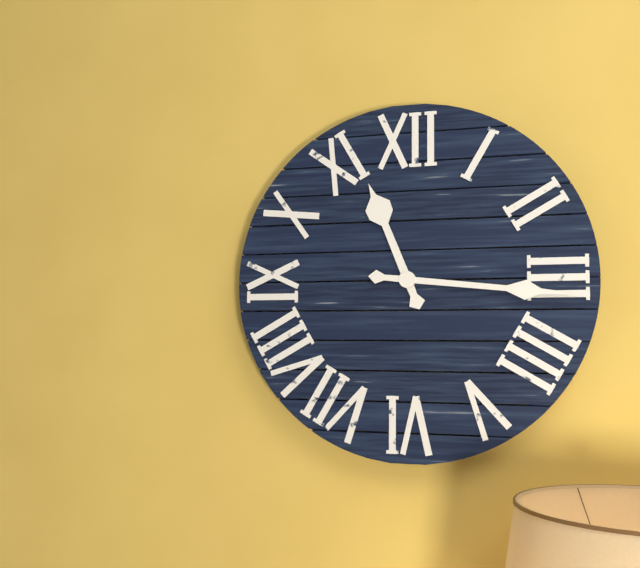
**11:16**
